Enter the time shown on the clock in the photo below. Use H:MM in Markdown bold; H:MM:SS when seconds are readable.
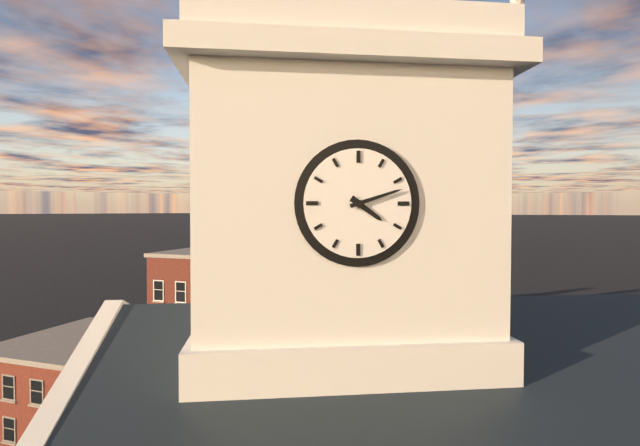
**4:12**
